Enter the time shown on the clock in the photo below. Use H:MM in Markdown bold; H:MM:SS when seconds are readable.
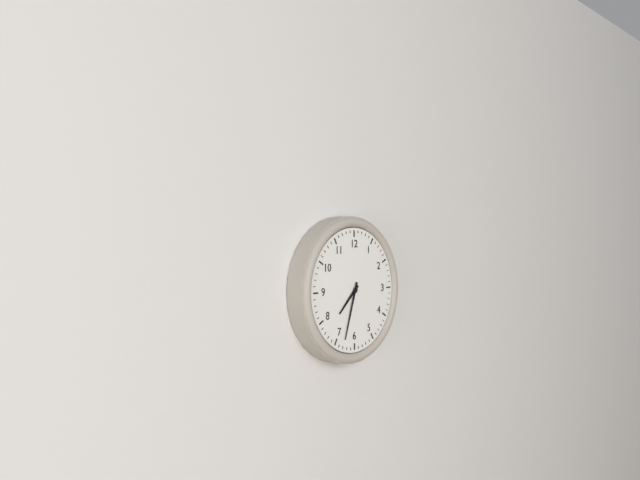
**7:33**
